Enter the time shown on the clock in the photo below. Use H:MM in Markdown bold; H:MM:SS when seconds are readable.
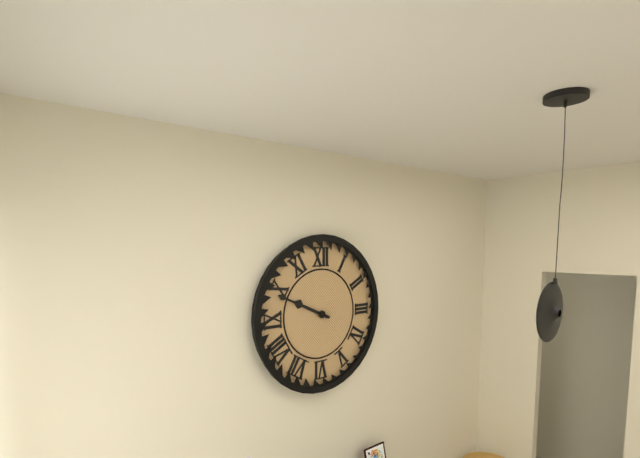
**9:49**
